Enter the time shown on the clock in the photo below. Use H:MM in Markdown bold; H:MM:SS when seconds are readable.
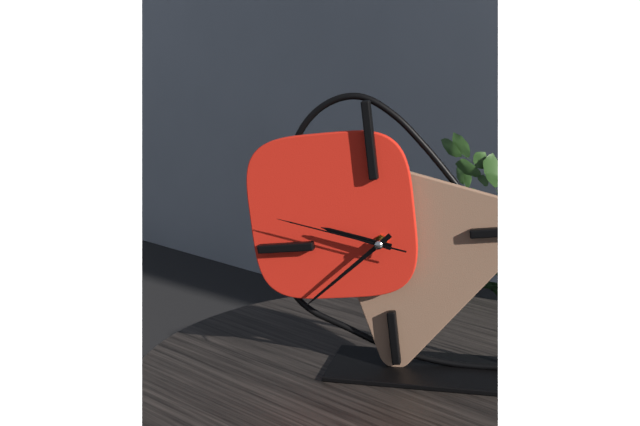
**9:39:48**
